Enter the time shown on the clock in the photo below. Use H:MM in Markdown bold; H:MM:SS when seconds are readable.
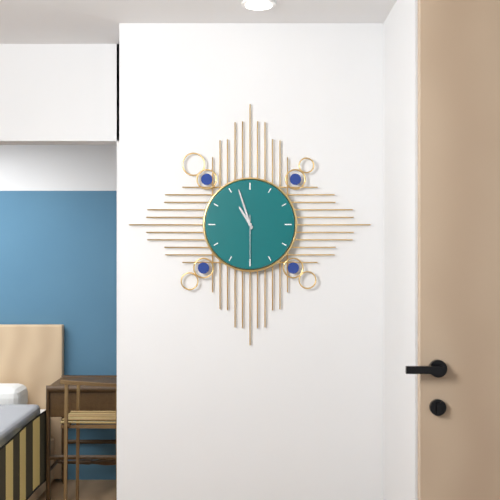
**10:57:30**
